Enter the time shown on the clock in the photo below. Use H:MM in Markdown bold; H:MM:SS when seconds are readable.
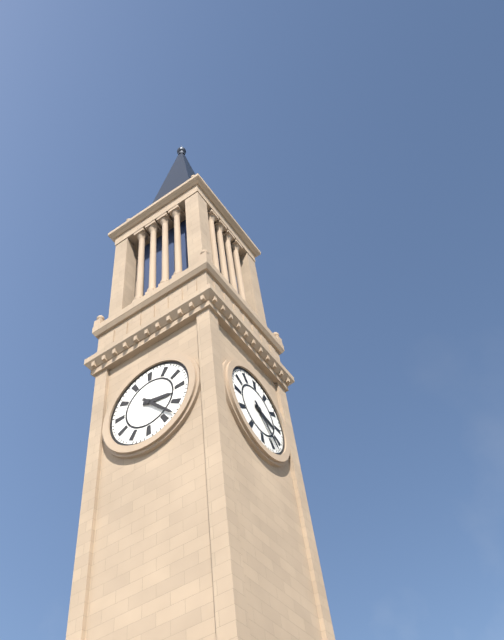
**3:23**
